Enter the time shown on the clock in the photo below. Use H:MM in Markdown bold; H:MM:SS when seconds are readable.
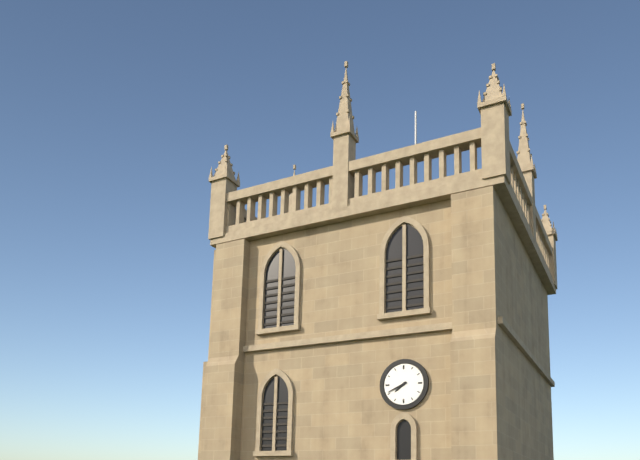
**7:41**
